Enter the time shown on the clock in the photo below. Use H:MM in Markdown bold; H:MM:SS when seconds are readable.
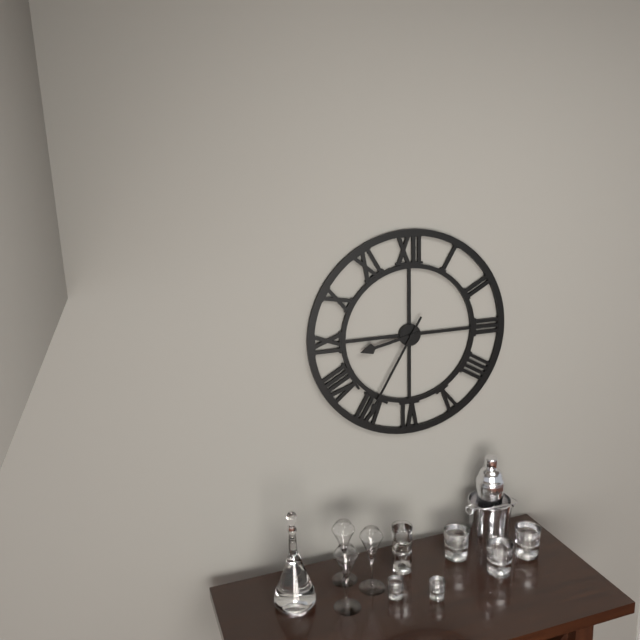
**8:35**
